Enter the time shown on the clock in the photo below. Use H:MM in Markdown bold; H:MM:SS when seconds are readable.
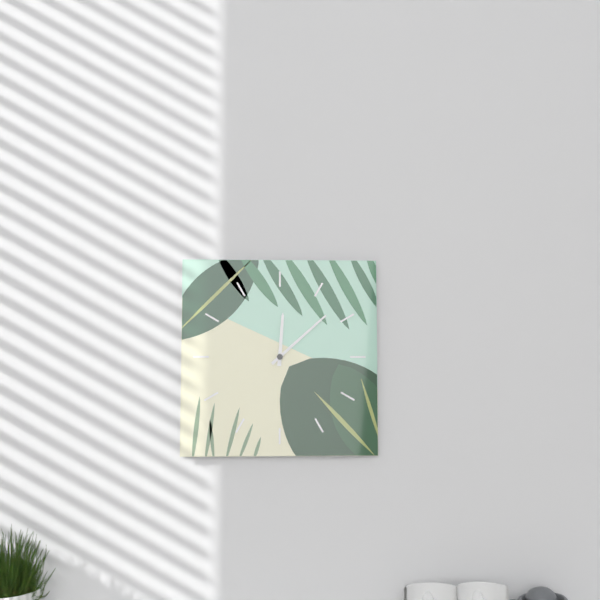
**12:08**
